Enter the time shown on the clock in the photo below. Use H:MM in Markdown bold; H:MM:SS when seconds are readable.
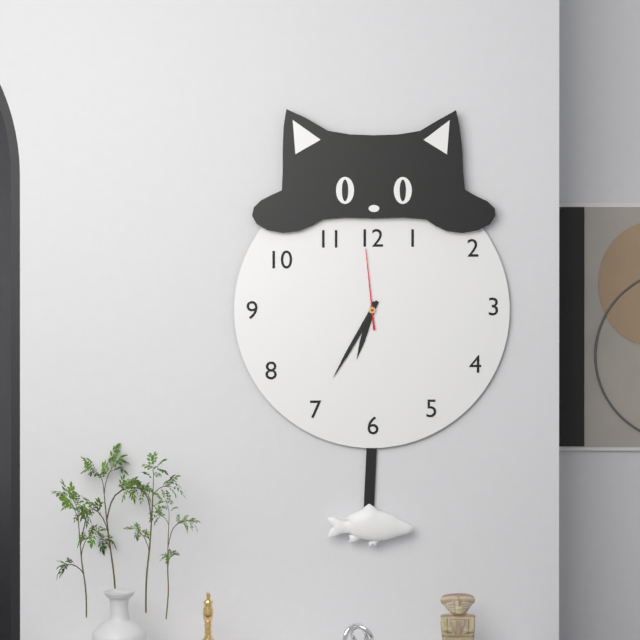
**6:35:59**
